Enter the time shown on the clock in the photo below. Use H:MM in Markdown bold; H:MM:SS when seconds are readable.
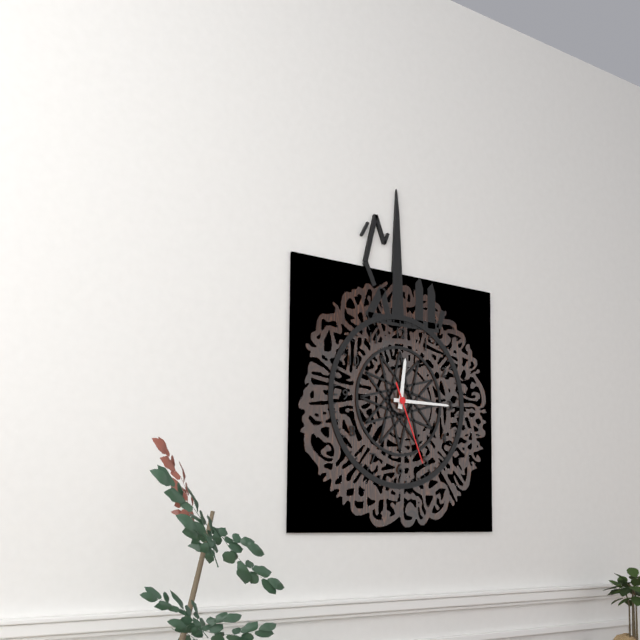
**12:15:26**
